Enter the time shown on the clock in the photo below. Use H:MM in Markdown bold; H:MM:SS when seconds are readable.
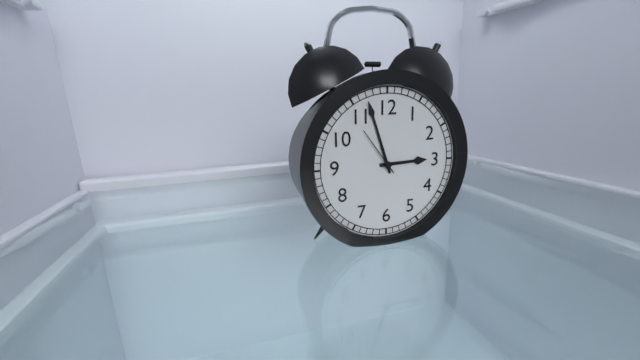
**2:57:54**
